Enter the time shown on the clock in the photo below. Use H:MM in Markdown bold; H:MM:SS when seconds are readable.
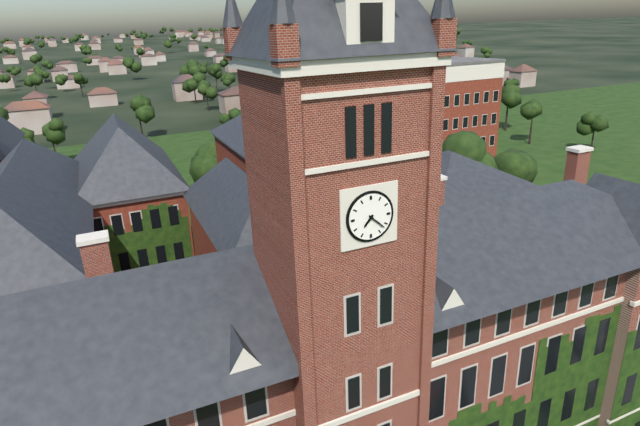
**7:22**
